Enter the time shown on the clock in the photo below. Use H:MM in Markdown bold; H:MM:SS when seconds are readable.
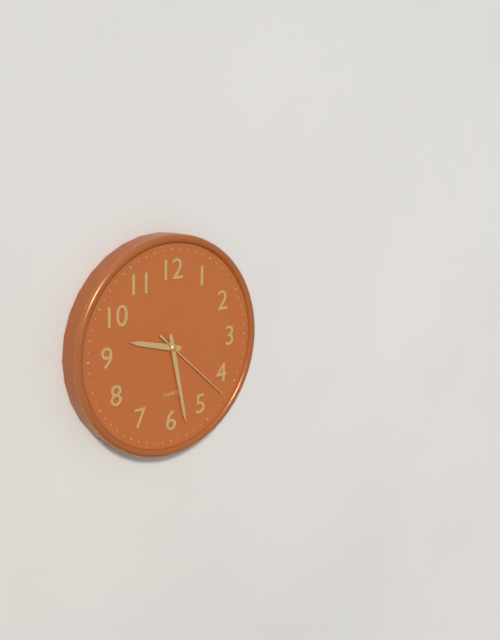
**9:28:22**
